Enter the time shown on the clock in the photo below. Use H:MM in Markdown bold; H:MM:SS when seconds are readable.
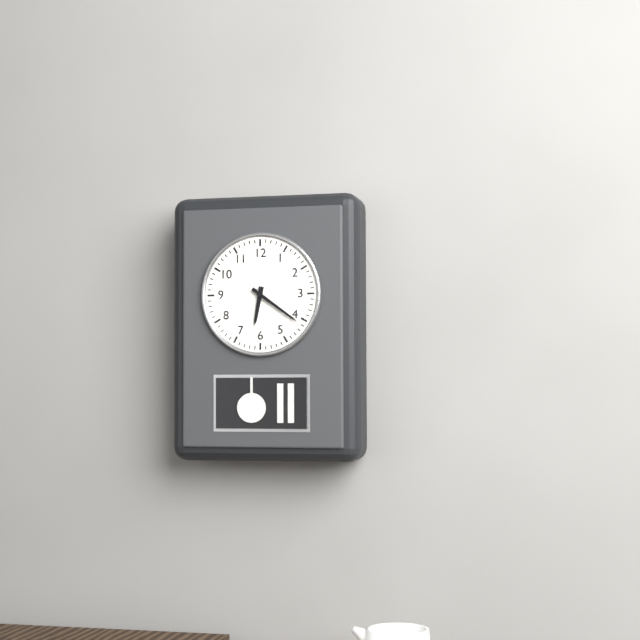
**6:21**
